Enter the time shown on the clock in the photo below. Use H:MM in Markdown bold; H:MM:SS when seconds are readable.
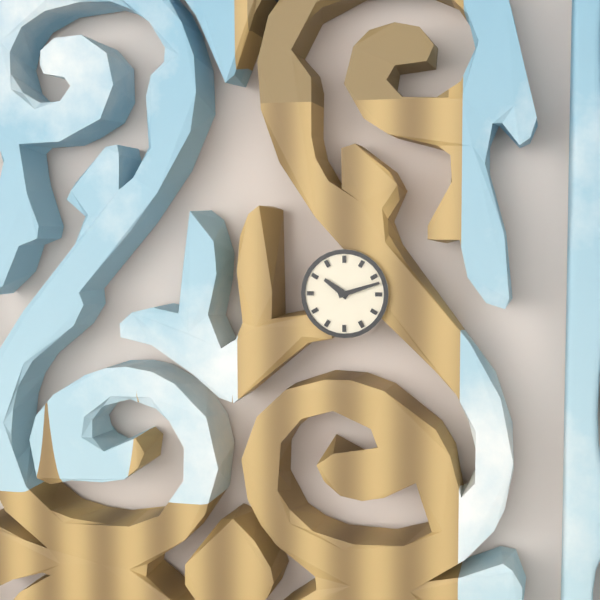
**10:12**
